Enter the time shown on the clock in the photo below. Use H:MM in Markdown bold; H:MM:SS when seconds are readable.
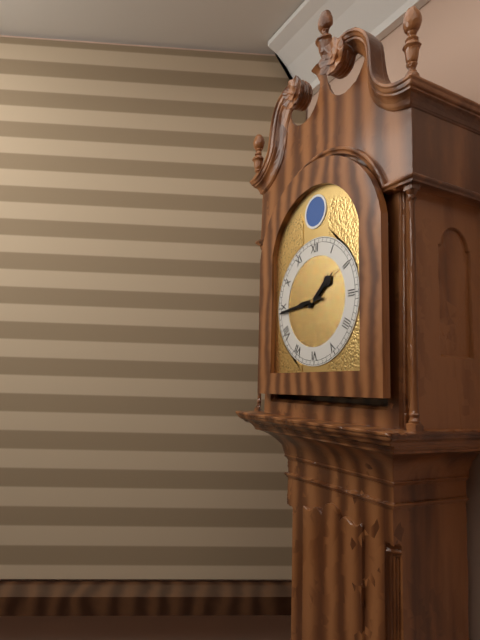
**1:44**
